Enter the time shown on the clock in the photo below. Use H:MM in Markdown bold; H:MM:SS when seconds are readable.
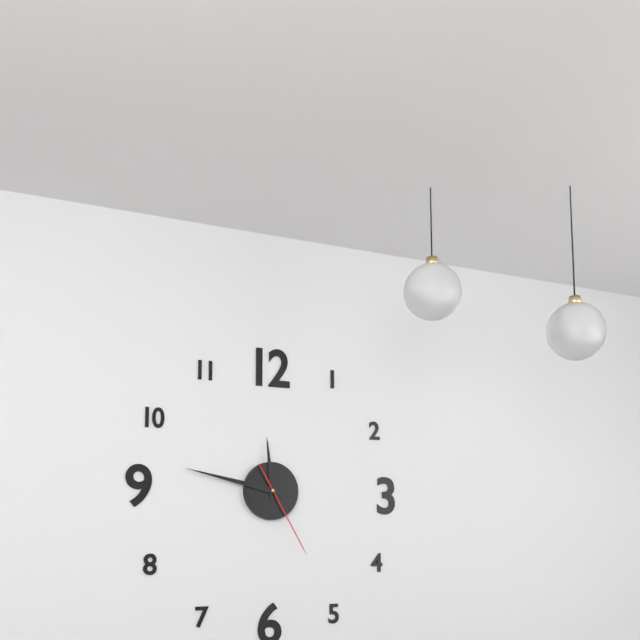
**11:47:25**
